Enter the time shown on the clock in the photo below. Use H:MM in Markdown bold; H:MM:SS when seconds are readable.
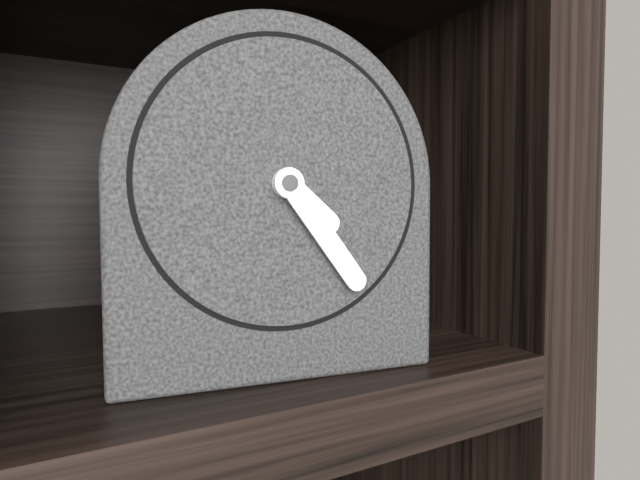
**4:24**
